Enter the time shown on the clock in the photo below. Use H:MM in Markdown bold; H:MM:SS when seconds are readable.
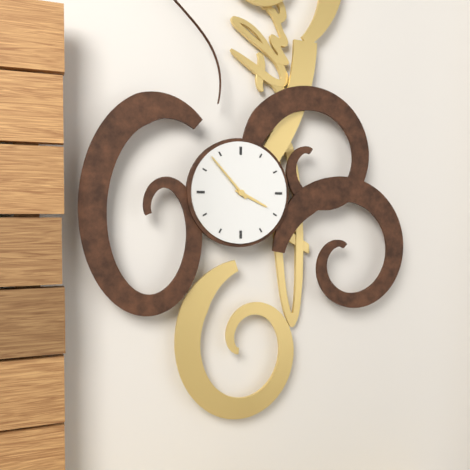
**3:53**
